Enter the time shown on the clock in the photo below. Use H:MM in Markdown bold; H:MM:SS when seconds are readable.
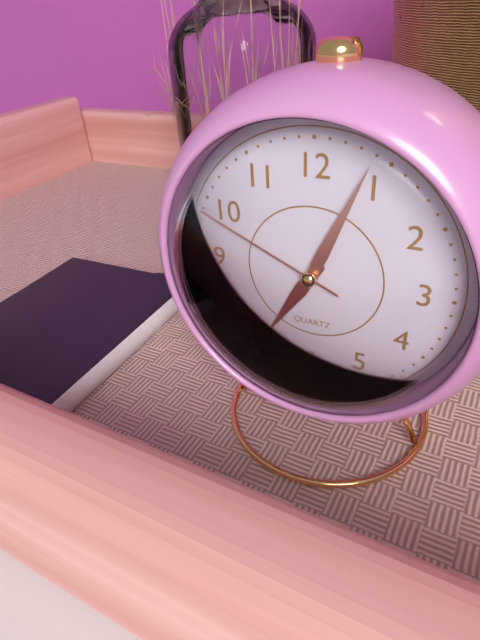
**7:04:49**
